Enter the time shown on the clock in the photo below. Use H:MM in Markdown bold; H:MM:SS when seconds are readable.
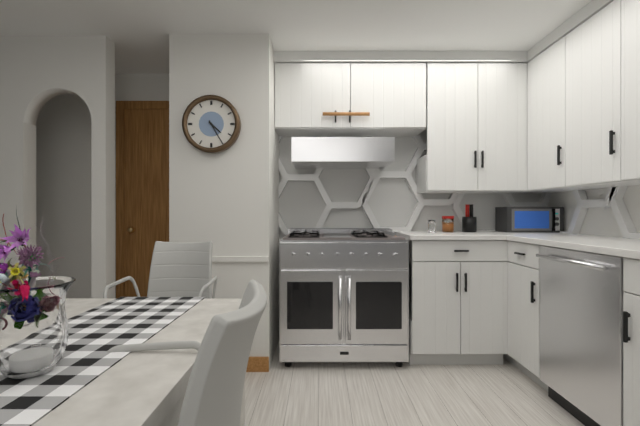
**4:25**
